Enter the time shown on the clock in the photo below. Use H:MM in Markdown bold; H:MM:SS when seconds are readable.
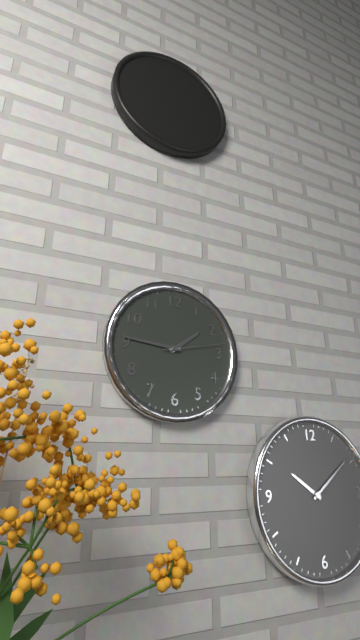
**1:46:13**
